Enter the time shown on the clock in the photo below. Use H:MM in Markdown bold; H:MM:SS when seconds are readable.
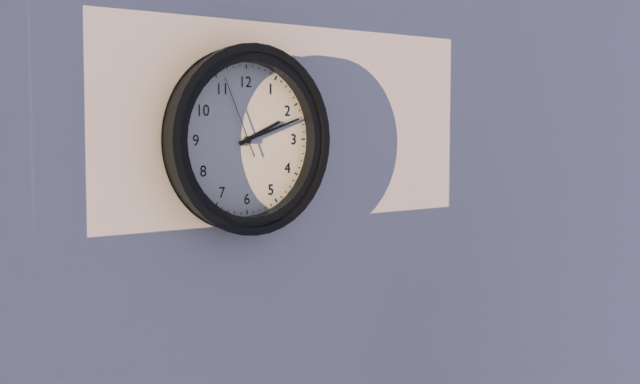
**2:12:56**
